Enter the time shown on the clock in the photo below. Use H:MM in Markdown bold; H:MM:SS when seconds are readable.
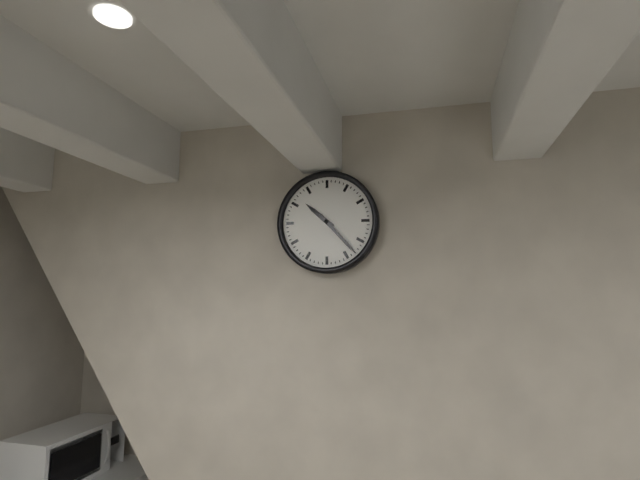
**10:23**
